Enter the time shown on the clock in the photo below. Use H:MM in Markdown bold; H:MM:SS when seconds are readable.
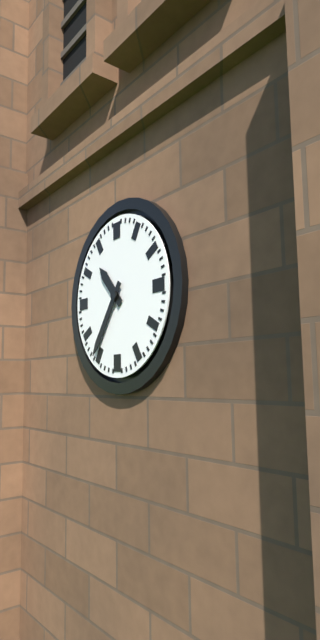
**10:36**
